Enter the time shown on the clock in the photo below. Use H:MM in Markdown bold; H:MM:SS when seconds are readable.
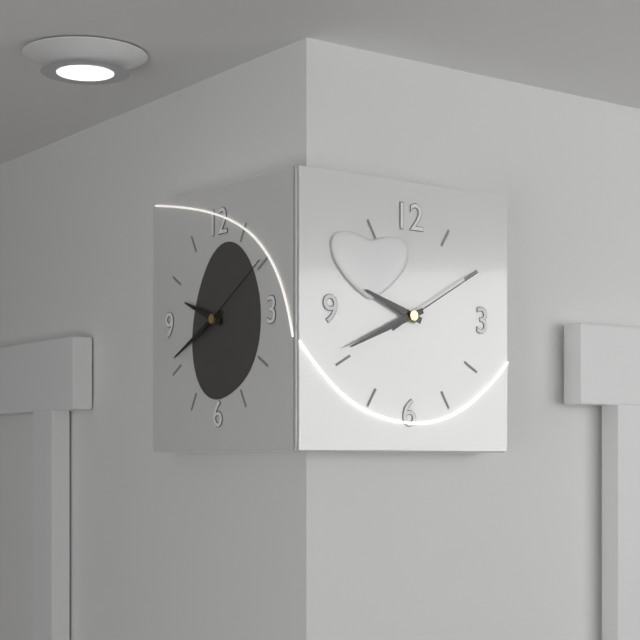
**9:41:10**
